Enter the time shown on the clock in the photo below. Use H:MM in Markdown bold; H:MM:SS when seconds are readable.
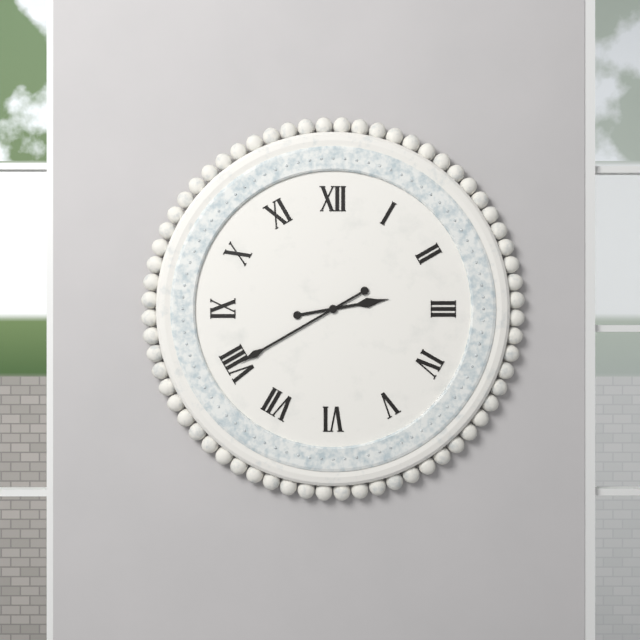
**2:40**
